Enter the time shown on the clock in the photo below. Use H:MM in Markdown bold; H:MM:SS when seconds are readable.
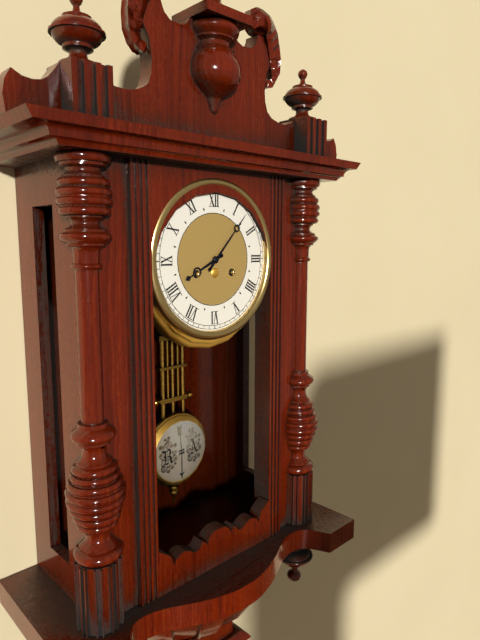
**8:07**
